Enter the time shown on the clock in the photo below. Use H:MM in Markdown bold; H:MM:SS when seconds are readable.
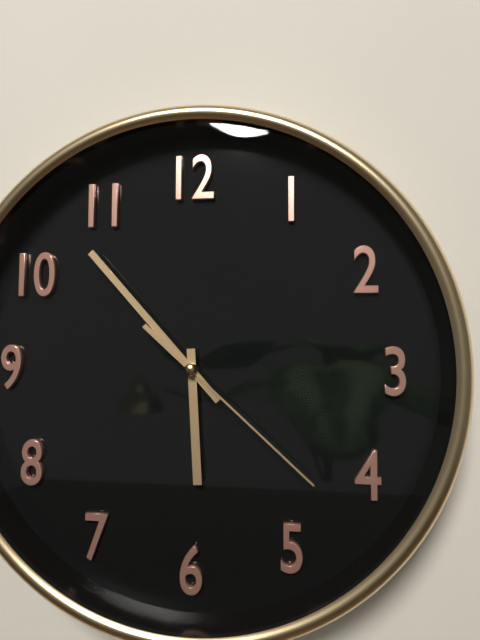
**5:53:22**
